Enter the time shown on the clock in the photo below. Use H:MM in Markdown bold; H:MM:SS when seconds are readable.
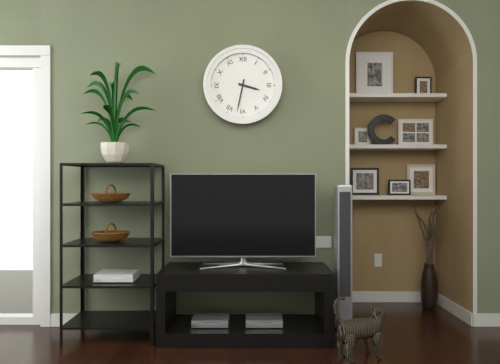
**3:32**
